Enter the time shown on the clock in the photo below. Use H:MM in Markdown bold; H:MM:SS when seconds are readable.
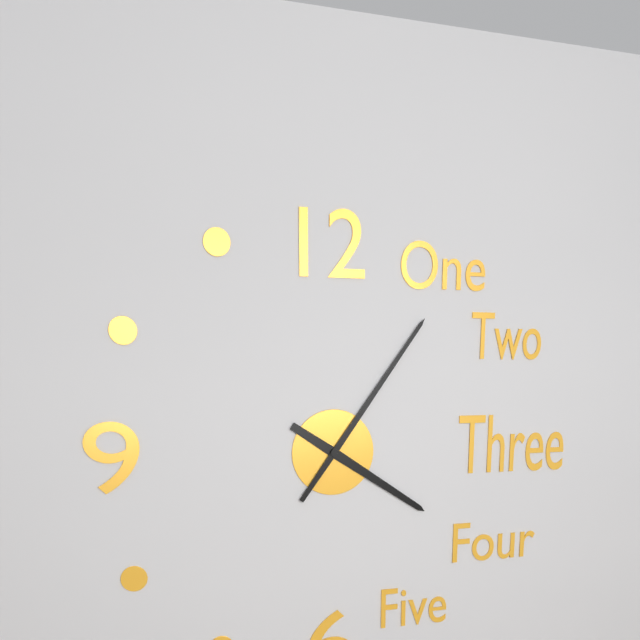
**4:06**
